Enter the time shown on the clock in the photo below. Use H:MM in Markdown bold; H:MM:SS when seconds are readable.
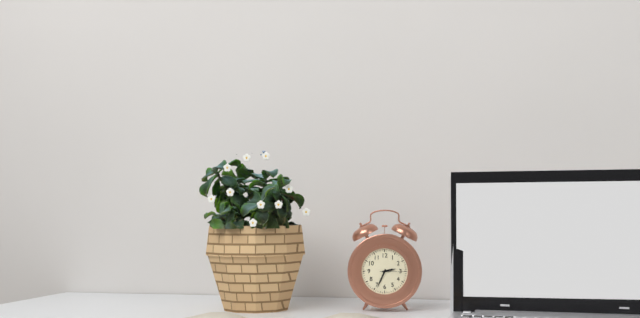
**2:34**
